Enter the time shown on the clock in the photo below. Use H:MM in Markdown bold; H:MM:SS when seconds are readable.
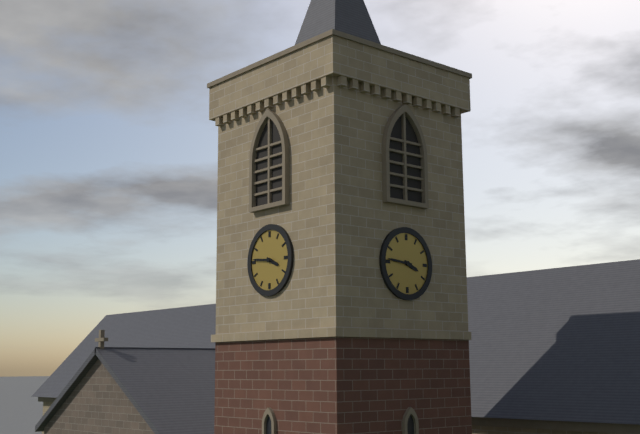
**3:46**
